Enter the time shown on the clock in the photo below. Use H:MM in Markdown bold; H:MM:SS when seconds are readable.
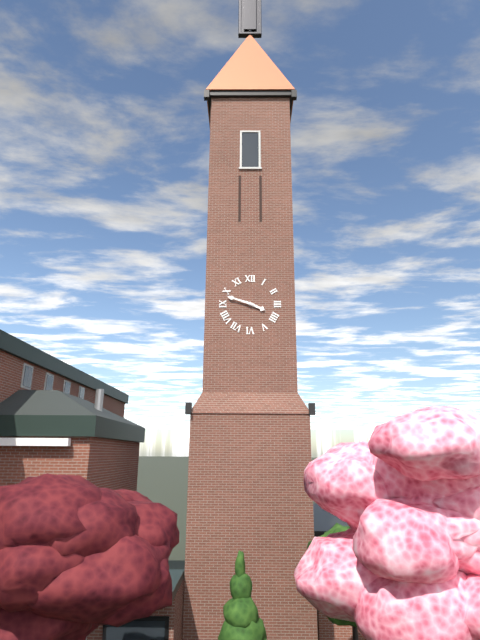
**3:48**
